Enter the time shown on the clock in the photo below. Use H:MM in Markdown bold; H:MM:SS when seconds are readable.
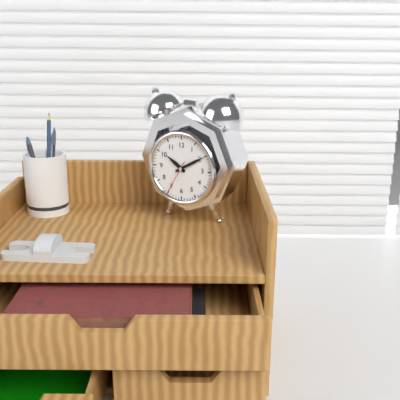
**10:10**
